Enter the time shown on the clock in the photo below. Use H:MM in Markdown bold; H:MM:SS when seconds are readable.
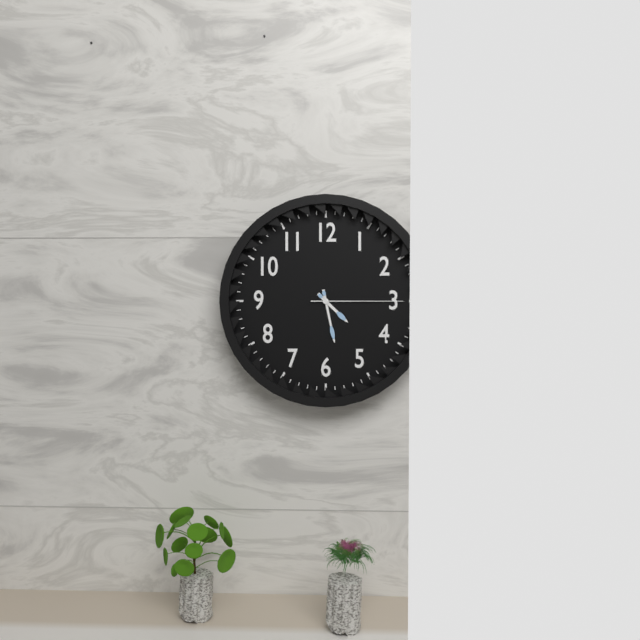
**4:28:15**
